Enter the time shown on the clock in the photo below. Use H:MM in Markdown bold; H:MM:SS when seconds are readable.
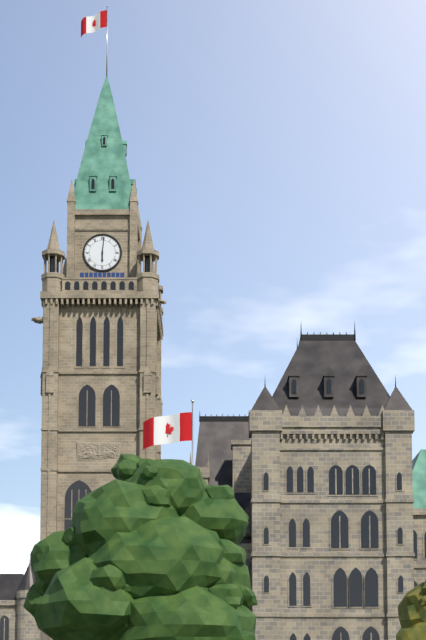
**6:01**
